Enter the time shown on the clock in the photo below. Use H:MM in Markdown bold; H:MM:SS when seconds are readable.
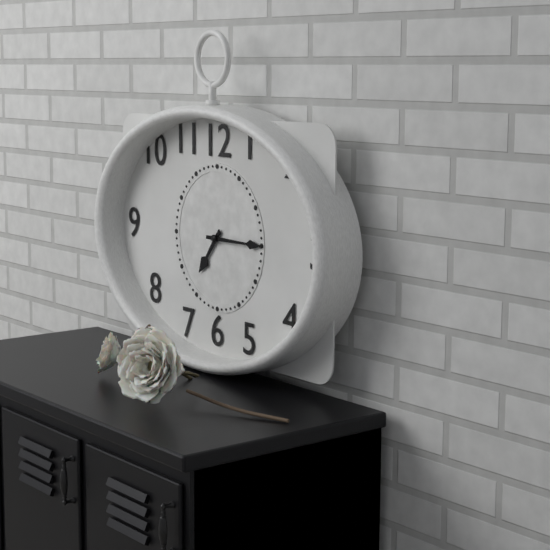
**7:15**
